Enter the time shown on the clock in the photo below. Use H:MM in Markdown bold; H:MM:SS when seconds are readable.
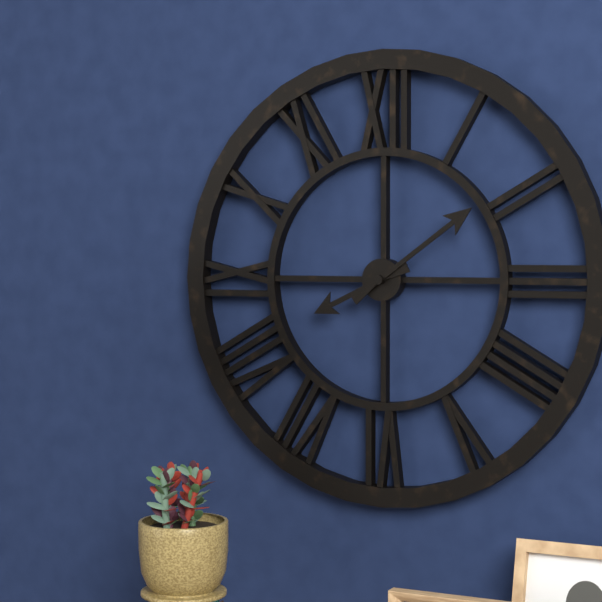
**8:09**
